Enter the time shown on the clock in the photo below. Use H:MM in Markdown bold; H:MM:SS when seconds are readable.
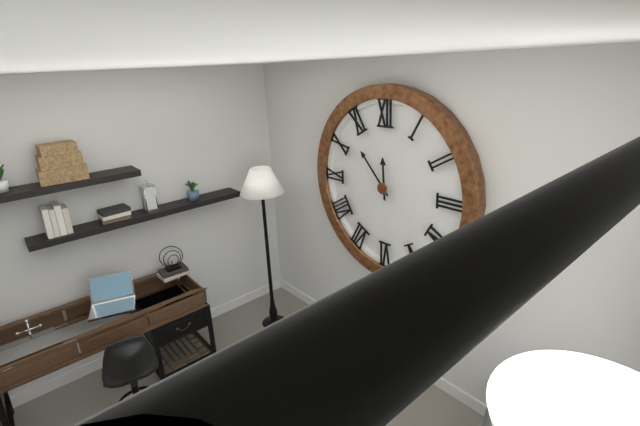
**11:53**
